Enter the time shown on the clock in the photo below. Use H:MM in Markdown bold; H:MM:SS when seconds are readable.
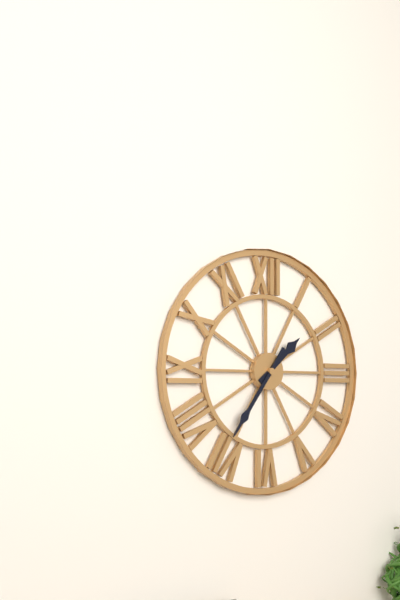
**1:36**
